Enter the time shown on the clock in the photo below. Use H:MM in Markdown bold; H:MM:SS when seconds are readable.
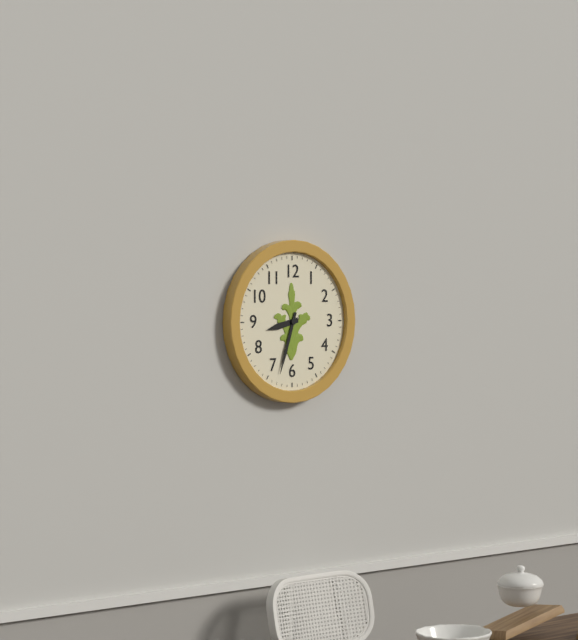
**8:33**
